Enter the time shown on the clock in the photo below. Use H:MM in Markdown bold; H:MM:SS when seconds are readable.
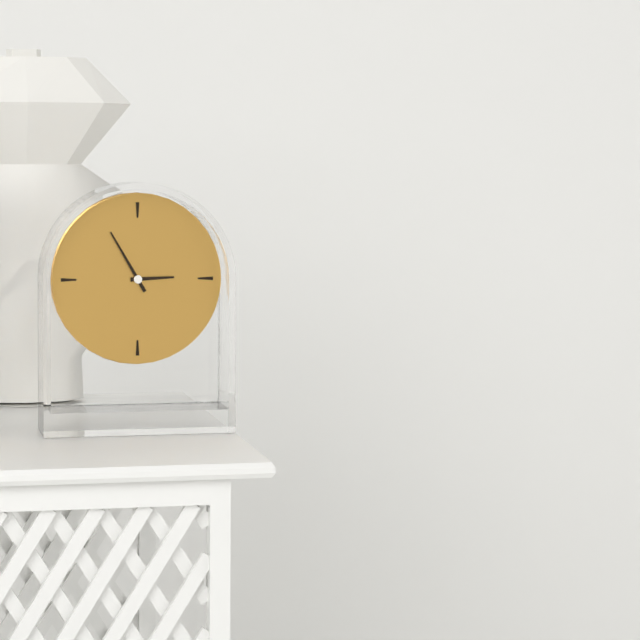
**2:55**
